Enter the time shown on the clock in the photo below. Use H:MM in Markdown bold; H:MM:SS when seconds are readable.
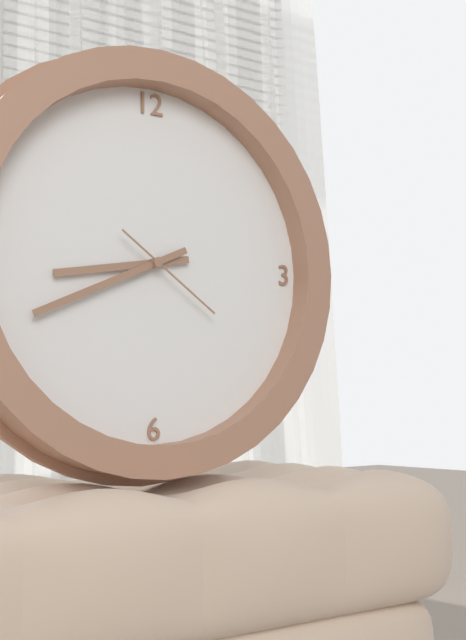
**8:41:21**
